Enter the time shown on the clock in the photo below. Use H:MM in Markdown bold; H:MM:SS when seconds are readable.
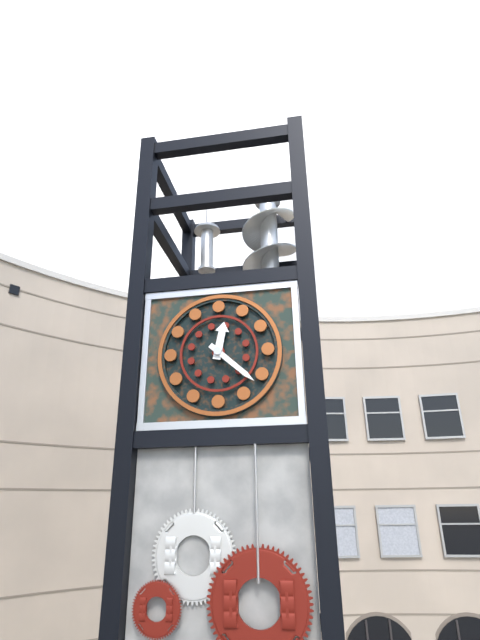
**12:22**
